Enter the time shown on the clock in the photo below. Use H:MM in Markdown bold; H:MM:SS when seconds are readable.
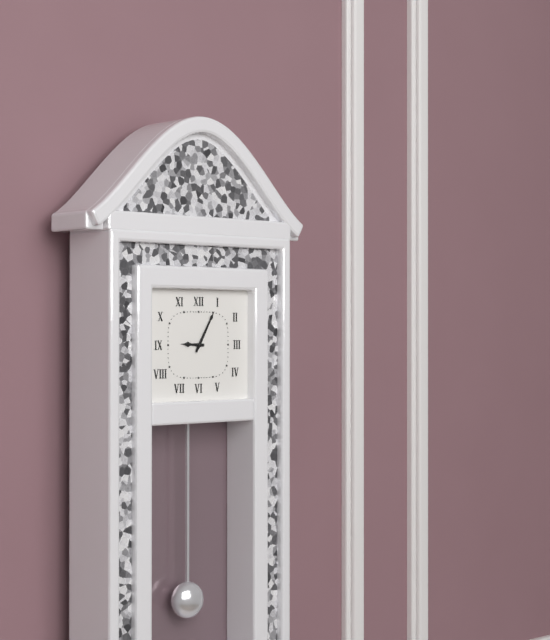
**9:05**
